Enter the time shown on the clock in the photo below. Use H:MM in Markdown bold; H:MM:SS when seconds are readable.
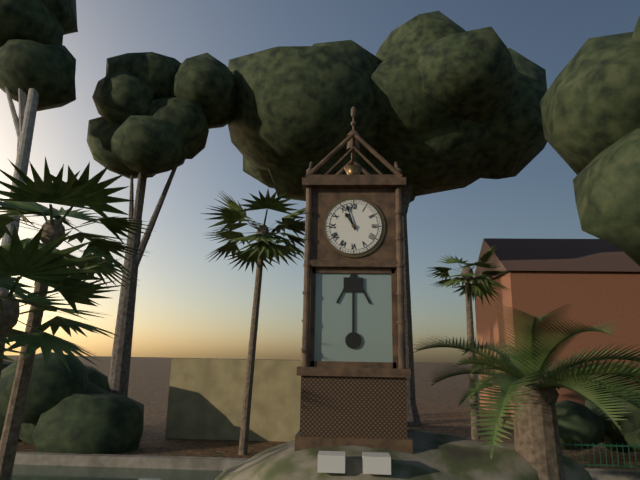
**10:57**
